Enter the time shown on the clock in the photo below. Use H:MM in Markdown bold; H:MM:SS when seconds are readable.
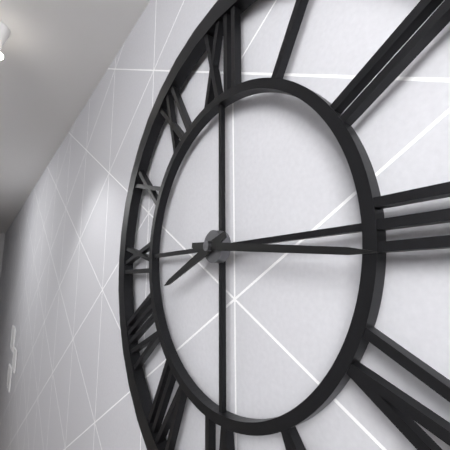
**8:16**
